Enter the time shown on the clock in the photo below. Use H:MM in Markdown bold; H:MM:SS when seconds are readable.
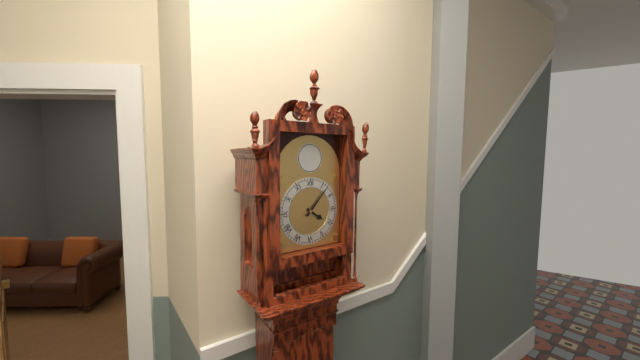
**4:07**
